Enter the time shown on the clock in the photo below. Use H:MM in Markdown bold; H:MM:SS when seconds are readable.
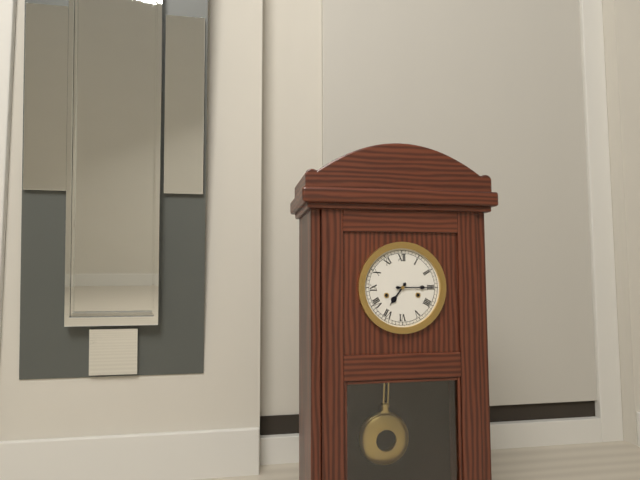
**7:15**
